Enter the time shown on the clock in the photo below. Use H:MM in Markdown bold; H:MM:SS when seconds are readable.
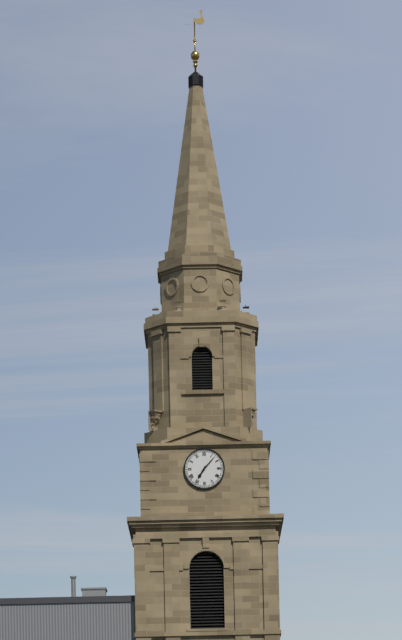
**7:07**
